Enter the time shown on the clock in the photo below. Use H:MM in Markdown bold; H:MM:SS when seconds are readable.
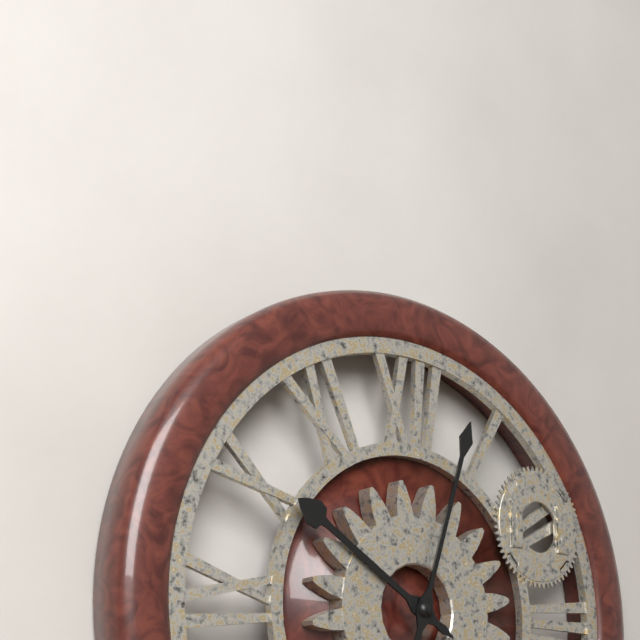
**10:03**
